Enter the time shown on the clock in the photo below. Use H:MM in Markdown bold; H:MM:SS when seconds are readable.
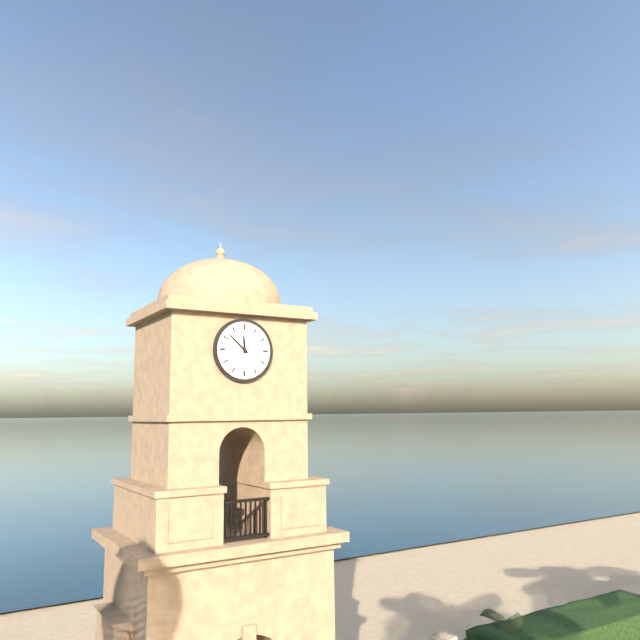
**11:52**
